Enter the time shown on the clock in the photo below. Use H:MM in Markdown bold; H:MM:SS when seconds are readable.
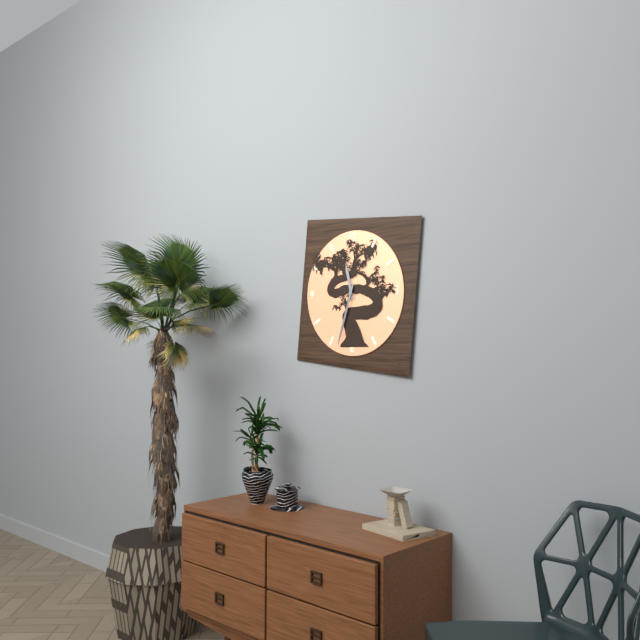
**11:33**
